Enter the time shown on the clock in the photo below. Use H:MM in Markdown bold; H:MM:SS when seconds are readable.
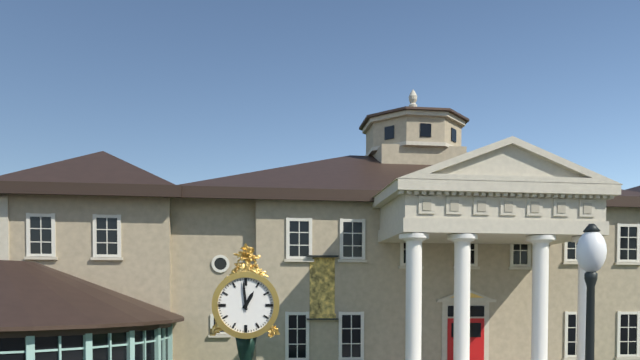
**12:59**
